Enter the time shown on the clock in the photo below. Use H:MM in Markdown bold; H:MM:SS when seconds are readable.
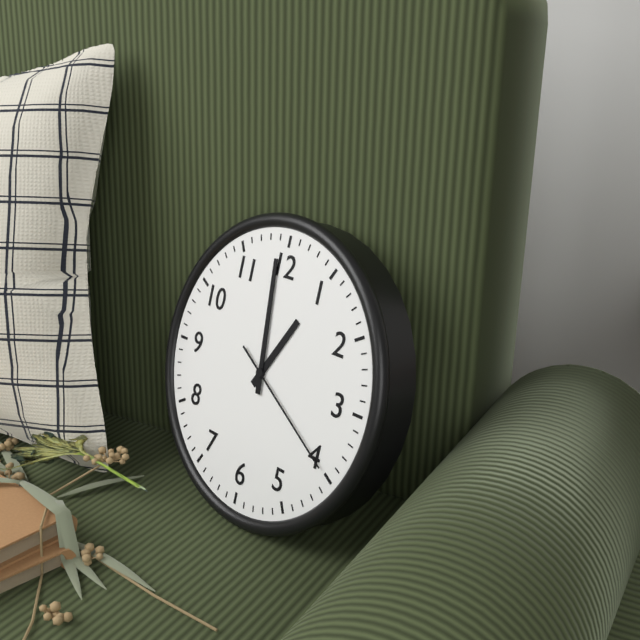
**12:59:20**
